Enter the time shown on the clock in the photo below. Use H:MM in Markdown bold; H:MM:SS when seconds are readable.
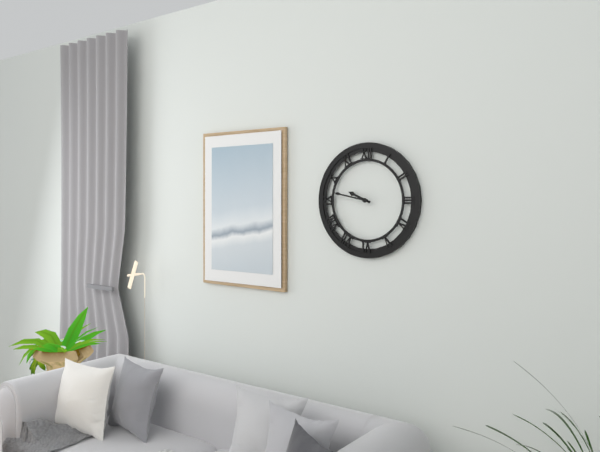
**9:47**
